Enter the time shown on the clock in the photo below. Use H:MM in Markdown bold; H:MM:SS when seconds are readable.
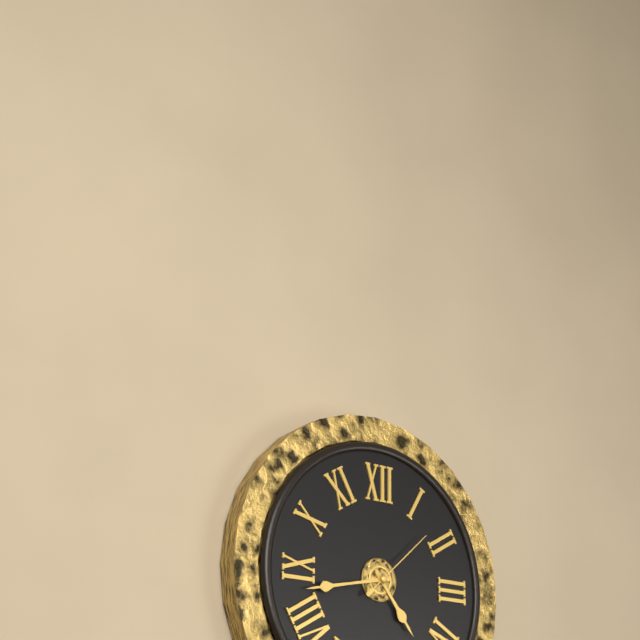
**4:43:08**
